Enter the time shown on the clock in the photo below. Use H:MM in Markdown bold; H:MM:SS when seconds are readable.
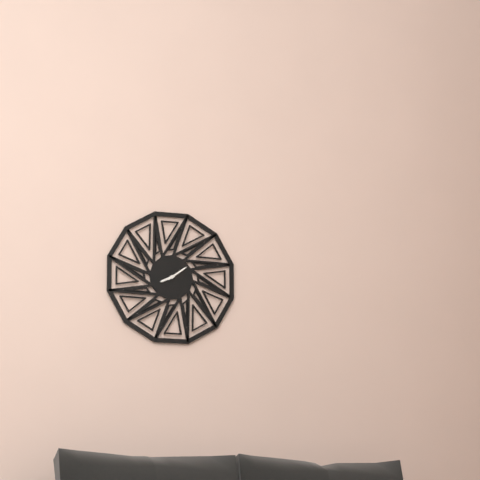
**8:09**
